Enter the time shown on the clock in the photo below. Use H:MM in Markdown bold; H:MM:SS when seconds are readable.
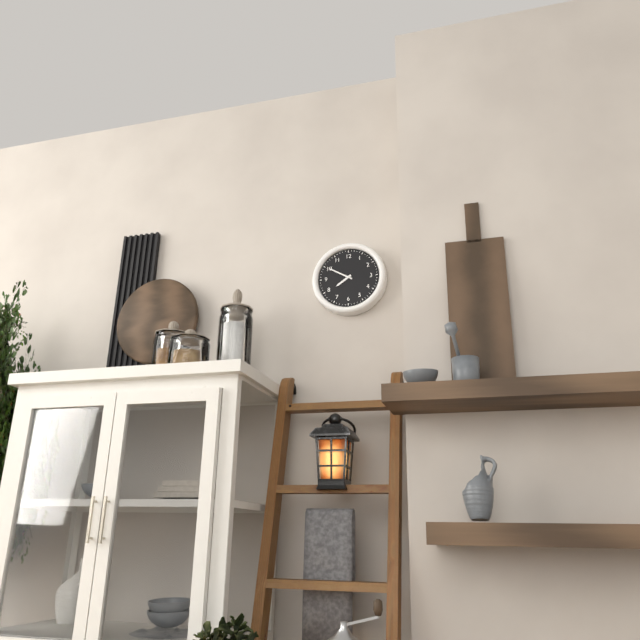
**7:50**
